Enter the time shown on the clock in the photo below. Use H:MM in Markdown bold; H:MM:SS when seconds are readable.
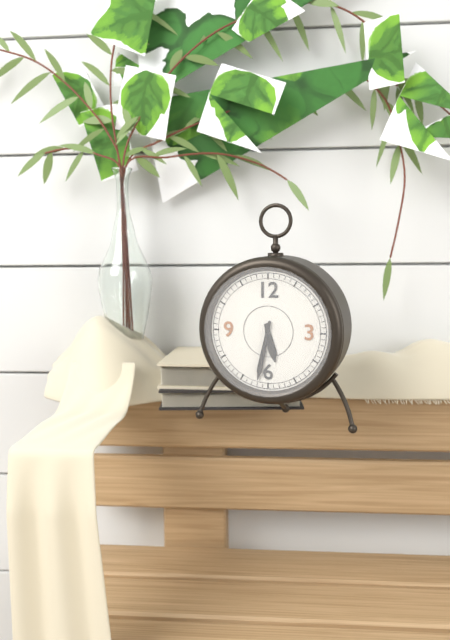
**5:32**
